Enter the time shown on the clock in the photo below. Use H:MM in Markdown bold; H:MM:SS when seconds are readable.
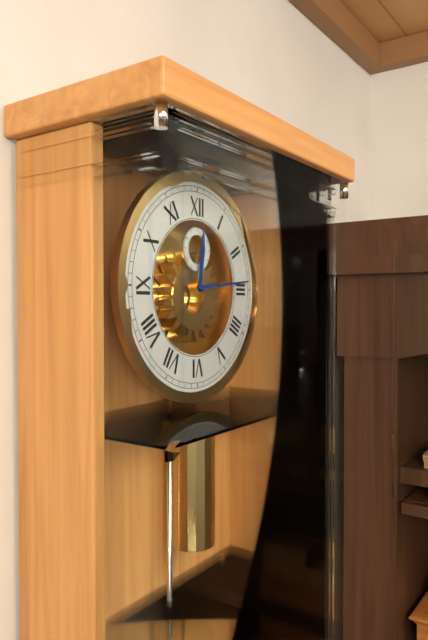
**12:14**
